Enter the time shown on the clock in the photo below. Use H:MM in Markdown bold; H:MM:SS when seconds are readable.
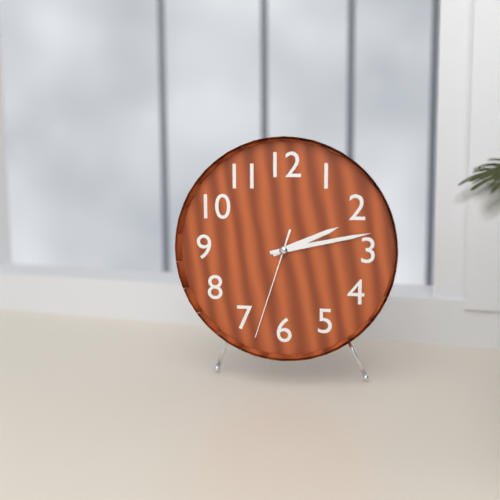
**2:13:33**
